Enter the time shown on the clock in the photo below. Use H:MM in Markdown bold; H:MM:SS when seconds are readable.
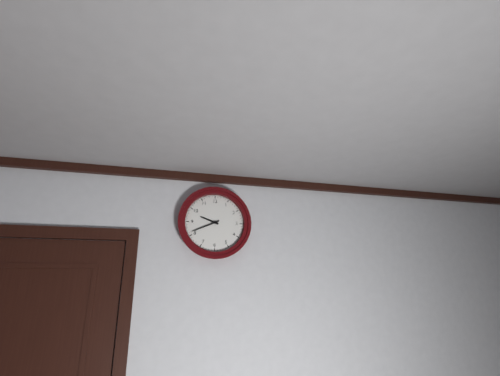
**9:41**
